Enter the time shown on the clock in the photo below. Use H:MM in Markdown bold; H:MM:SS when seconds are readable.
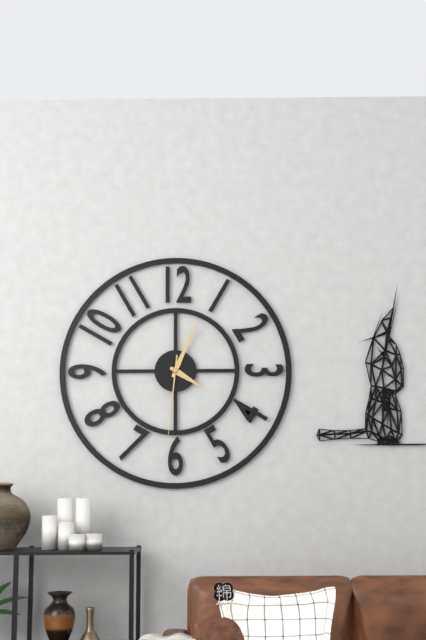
**4:04:31**
